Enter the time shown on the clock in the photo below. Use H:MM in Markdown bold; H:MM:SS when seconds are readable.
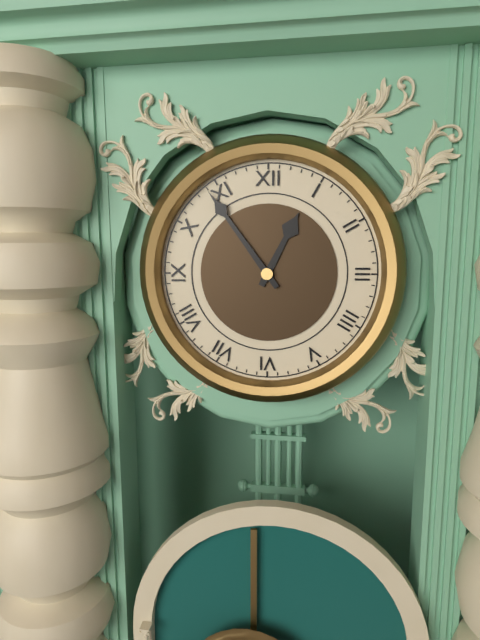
**12:54**
